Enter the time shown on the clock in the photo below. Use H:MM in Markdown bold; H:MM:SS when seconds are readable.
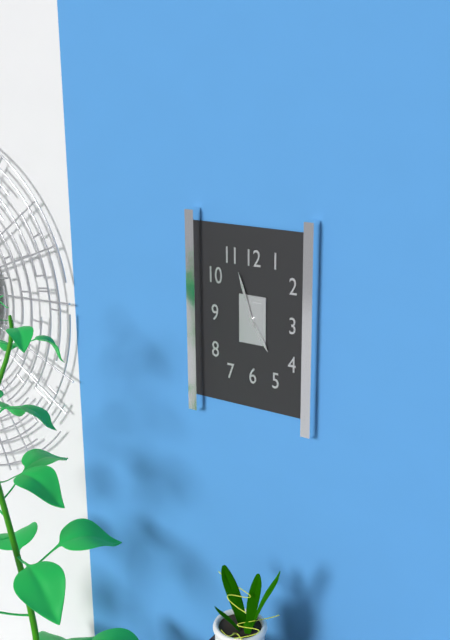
**4:57**
